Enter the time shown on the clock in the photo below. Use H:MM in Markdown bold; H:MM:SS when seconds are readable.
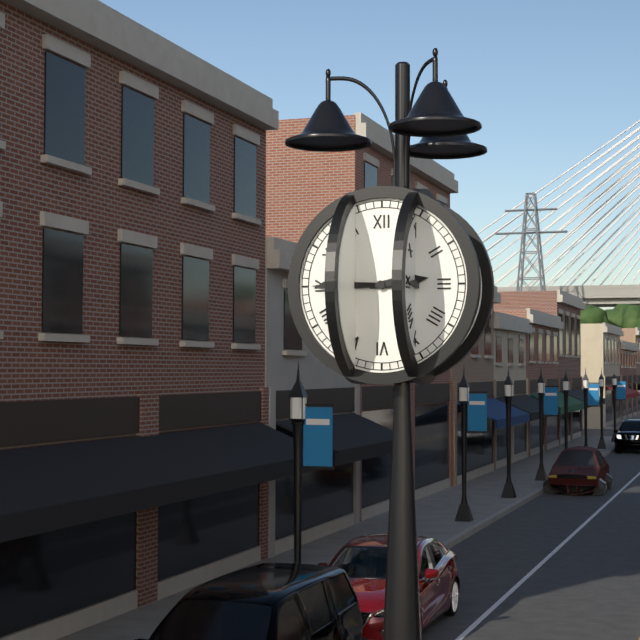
**2:45**
